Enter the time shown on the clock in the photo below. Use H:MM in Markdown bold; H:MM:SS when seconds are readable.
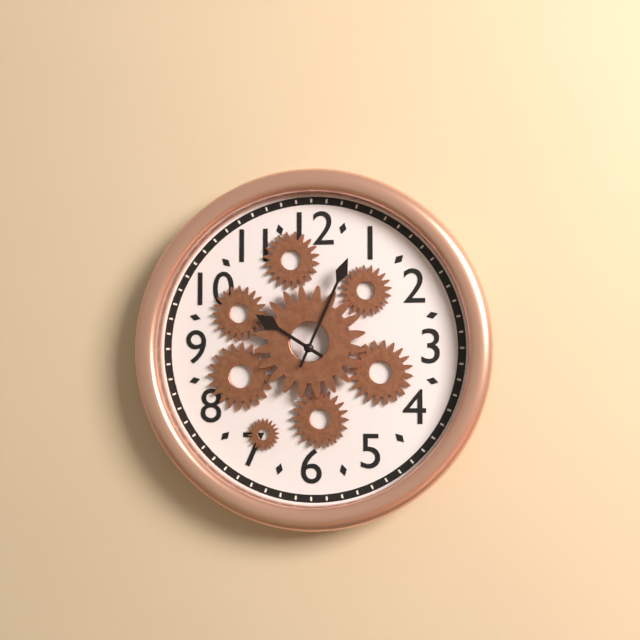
**10:04**
